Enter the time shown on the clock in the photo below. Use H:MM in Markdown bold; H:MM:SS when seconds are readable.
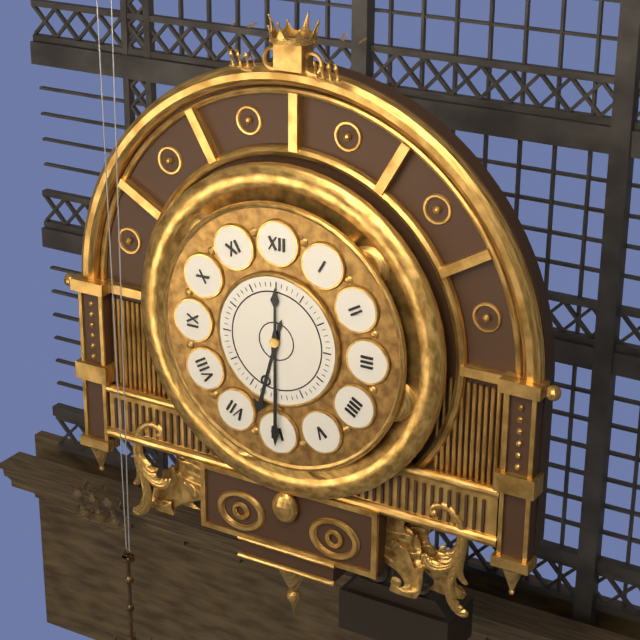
**6:30**
